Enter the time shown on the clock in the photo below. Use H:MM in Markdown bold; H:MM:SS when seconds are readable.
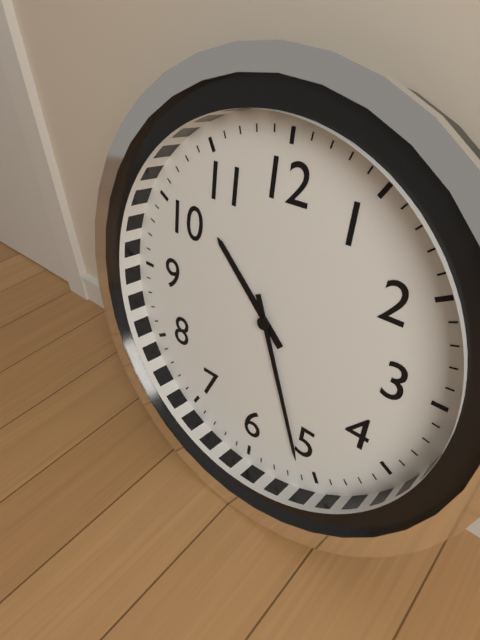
**10:26**
